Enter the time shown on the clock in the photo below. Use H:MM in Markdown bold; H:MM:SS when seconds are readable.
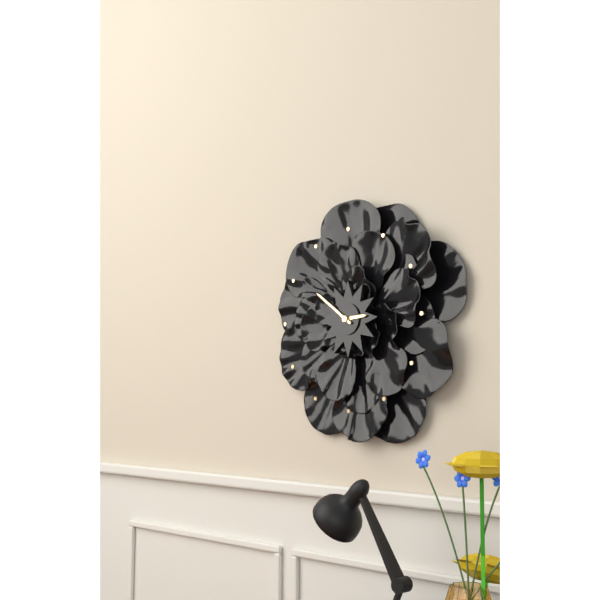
**2:51**
